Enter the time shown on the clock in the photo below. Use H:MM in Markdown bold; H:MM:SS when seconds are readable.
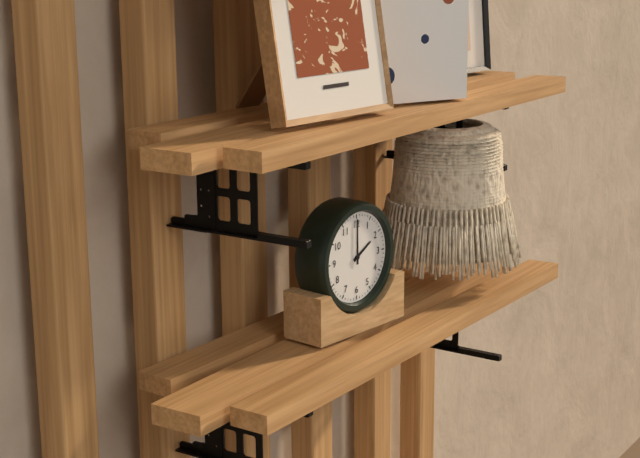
**2:00**
